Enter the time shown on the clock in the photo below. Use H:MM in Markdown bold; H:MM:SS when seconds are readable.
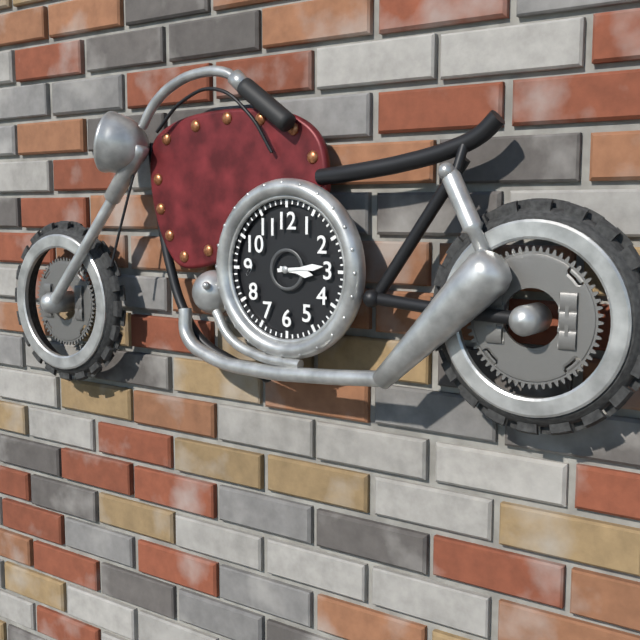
**3:14**
